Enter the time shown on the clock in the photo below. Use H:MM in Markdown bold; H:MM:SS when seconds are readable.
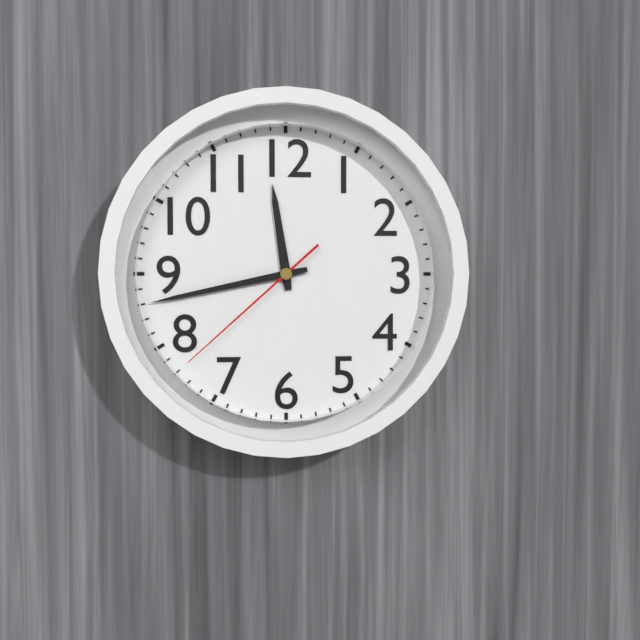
**11:43:38**
